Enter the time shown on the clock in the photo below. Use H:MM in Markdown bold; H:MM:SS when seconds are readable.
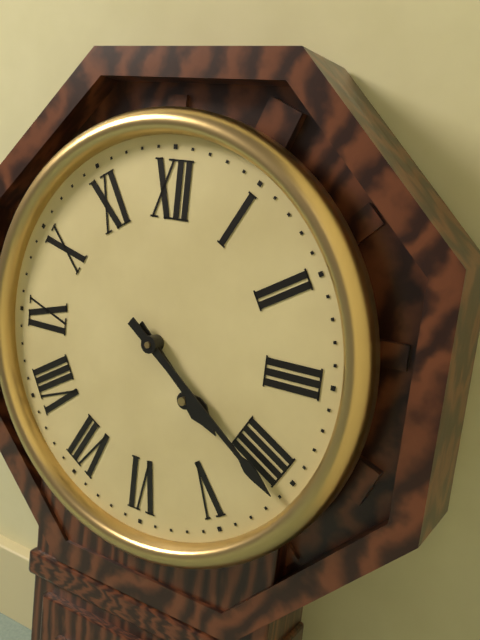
**4:21**
